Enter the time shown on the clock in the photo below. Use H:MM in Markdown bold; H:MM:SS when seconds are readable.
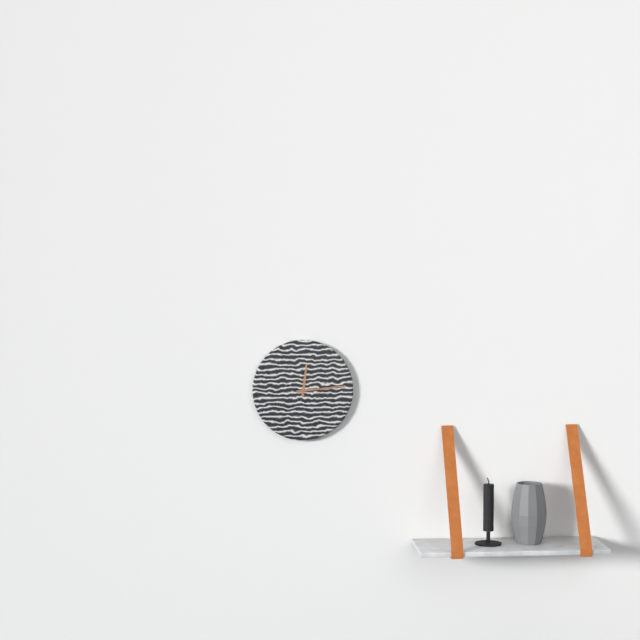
**12:14**
